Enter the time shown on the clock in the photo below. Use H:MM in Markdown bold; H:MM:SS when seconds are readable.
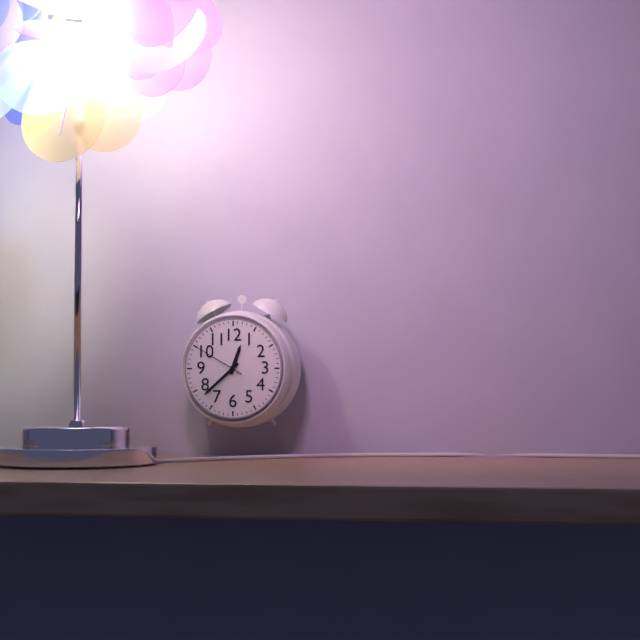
**12:38:50**
